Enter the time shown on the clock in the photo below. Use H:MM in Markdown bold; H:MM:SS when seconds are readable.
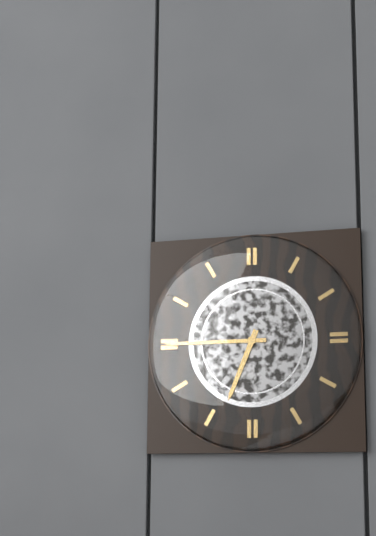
**6:45**
